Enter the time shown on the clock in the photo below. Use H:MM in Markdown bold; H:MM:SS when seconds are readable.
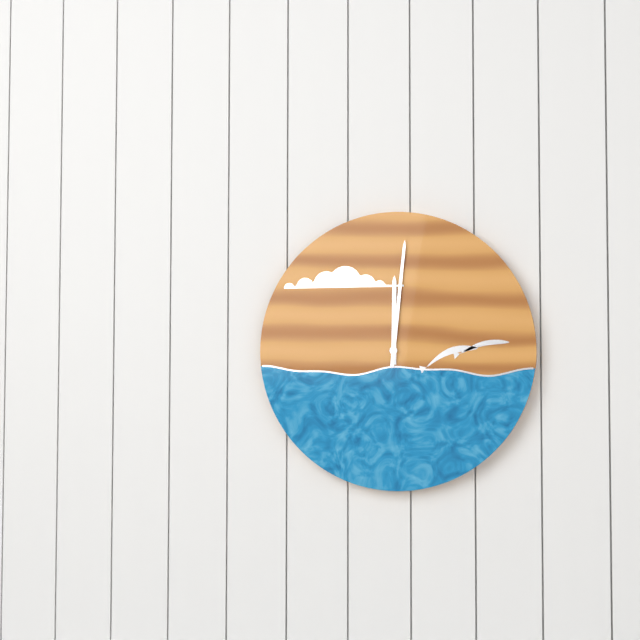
**12:01**
